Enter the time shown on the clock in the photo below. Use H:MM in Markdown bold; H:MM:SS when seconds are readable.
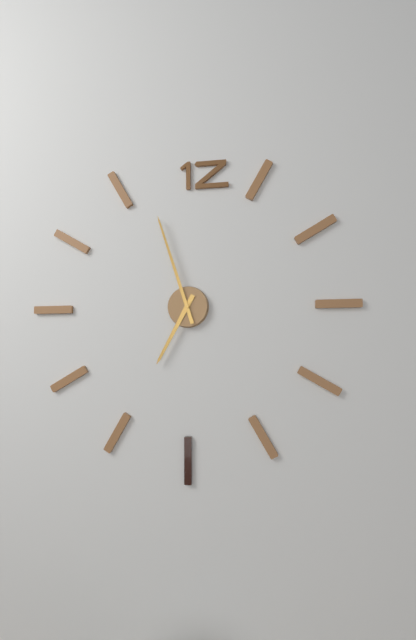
**6:57**
